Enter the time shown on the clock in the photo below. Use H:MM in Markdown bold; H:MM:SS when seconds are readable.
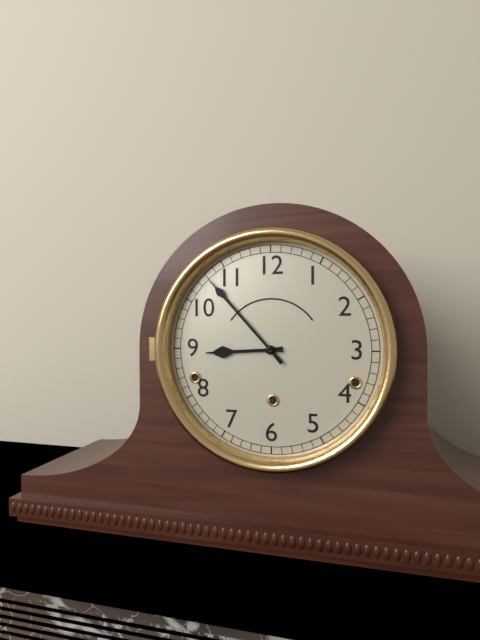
**8:53**
